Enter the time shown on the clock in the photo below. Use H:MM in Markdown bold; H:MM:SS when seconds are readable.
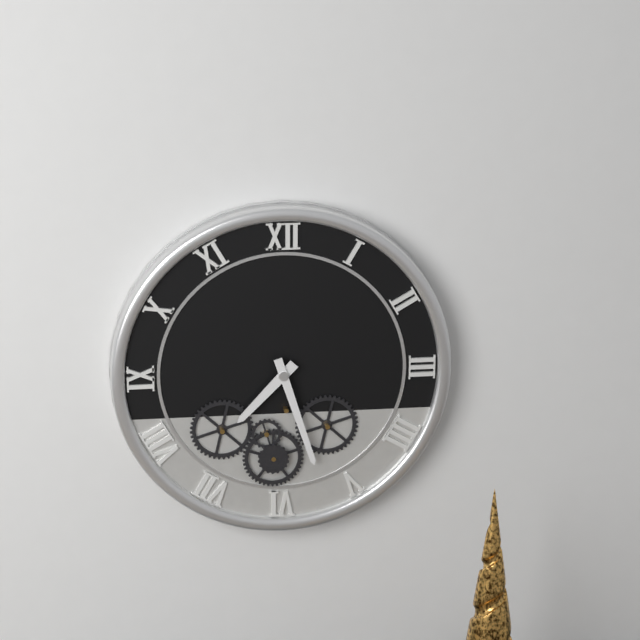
**7:27**
